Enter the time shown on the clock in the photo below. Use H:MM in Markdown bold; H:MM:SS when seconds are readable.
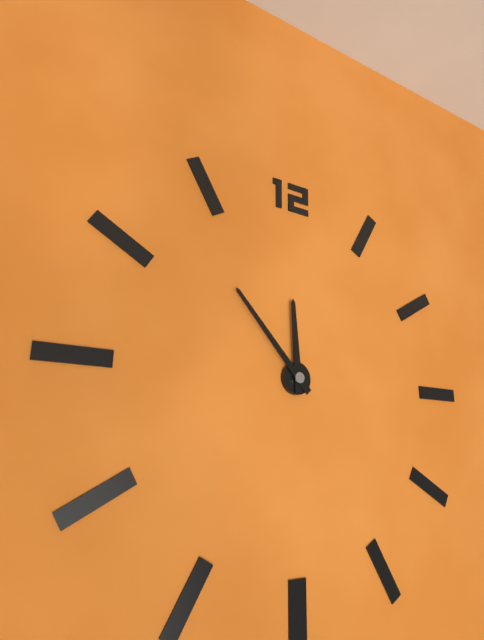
**11:53**
